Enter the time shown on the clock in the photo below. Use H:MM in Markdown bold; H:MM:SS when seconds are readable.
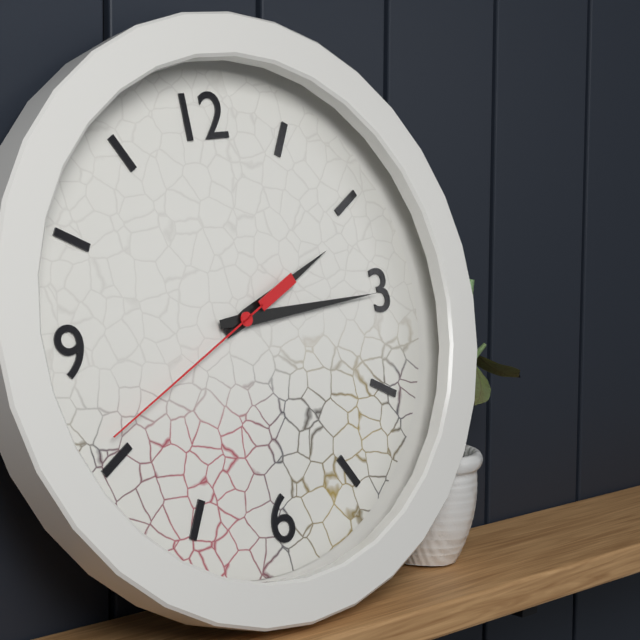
**2:15:41**
